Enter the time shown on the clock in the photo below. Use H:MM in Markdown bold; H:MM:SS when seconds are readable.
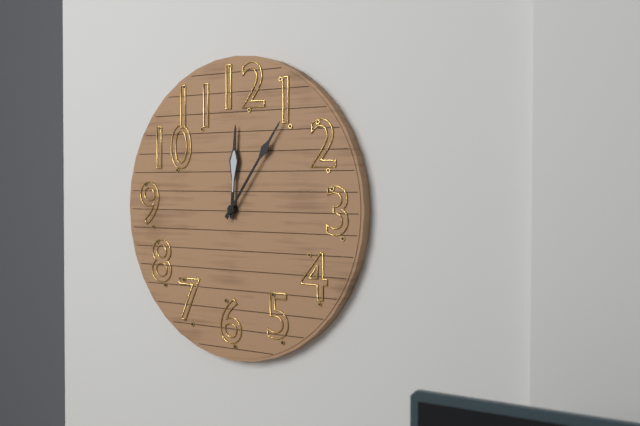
**12:06**
